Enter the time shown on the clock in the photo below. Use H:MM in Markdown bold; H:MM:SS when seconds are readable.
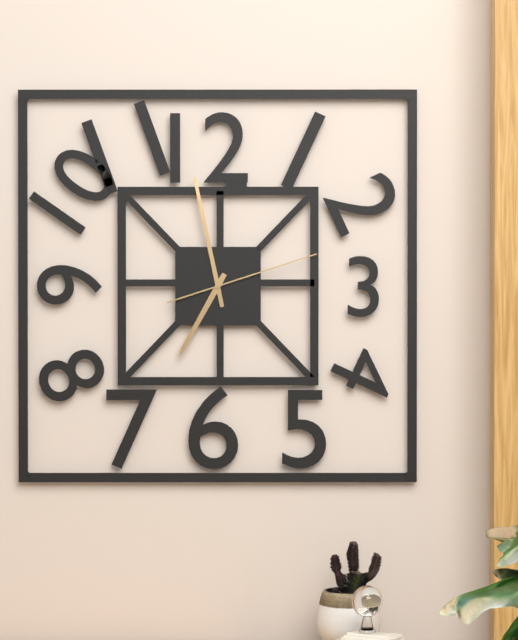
**6:58:12**
